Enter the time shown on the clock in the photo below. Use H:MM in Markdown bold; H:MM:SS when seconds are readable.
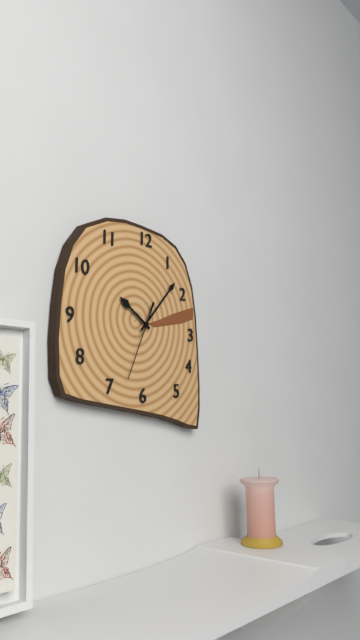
**10:07:34**
